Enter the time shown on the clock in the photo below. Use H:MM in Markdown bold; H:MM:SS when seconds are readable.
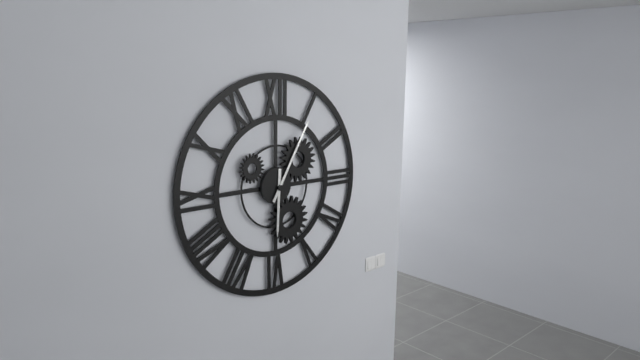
**6:05**
